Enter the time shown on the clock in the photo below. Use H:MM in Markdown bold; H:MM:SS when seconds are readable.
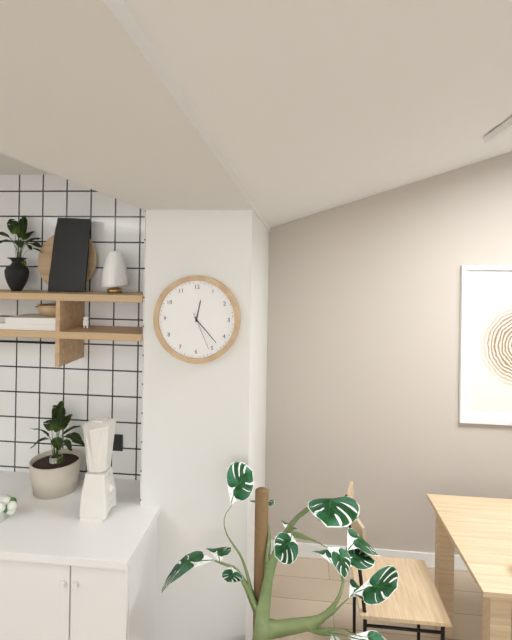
**12:23**
